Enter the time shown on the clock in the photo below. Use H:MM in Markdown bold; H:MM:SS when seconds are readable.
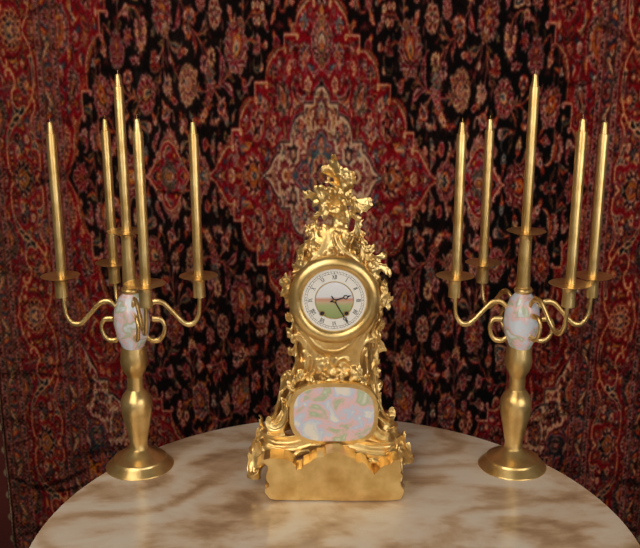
**2:25**
